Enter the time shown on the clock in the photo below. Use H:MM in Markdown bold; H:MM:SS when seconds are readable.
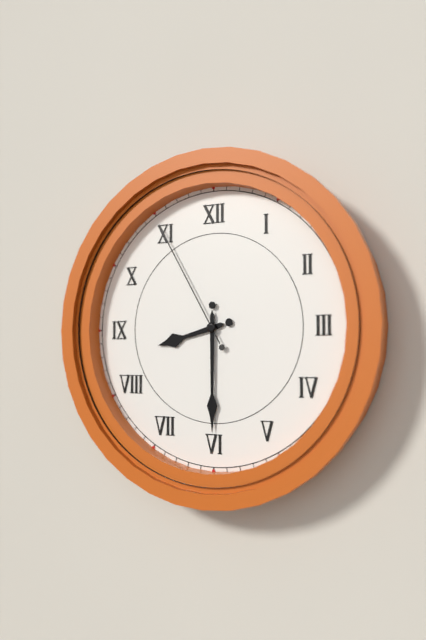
**8:30:55**
